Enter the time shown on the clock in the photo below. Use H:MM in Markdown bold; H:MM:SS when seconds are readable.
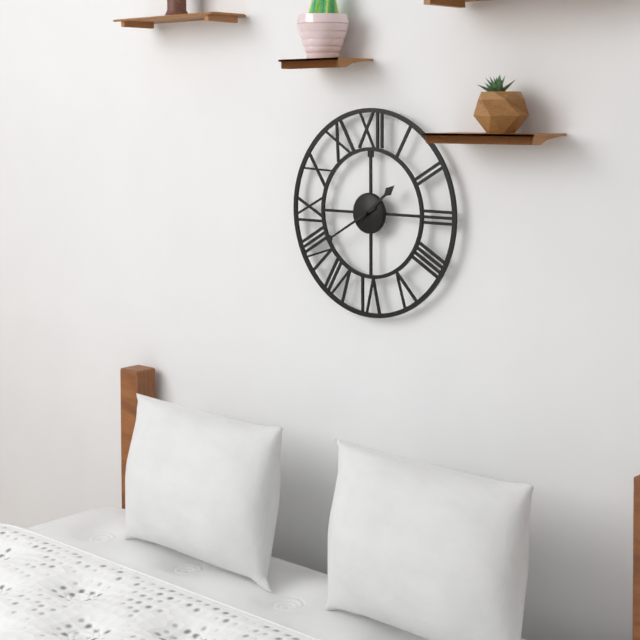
**1:40**
